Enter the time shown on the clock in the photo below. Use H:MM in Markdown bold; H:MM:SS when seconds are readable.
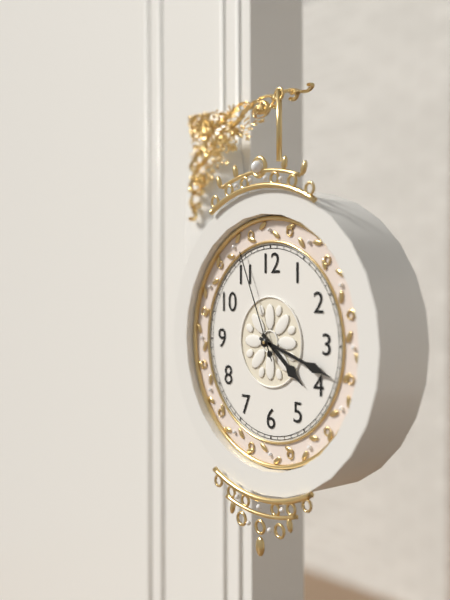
**4:18:56**
